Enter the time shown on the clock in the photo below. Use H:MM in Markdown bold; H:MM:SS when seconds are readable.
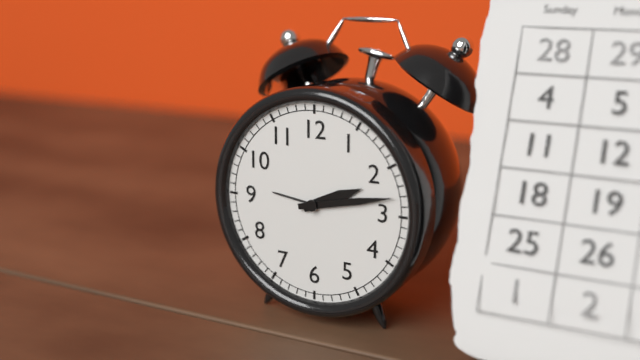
**2:13**
